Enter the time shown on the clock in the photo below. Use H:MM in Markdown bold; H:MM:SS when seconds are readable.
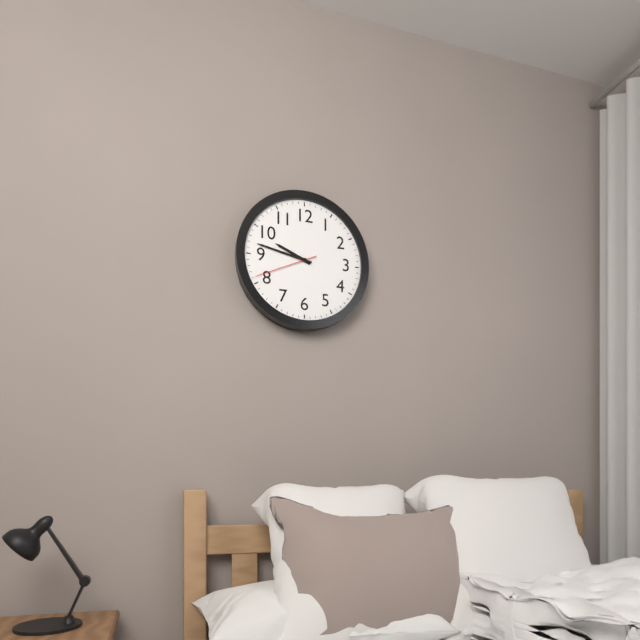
**9:47:41**
